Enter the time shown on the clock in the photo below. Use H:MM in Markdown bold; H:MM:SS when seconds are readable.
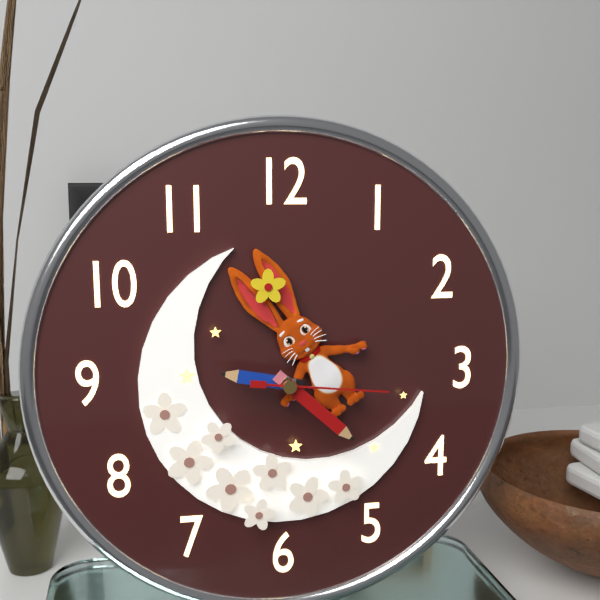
**9:22:16**
